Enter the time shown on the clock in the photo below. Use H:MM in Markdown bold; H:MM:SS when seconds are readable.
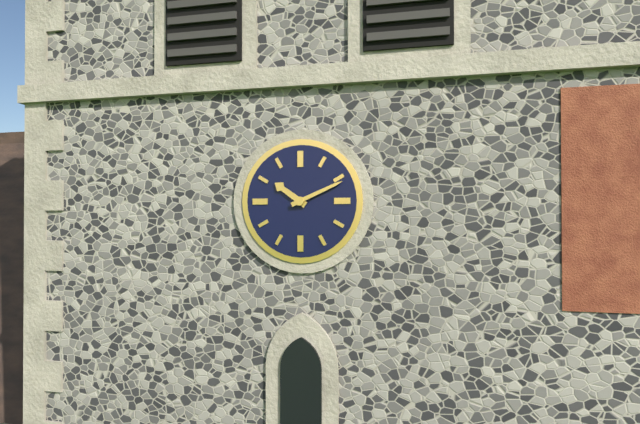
**10:11**
